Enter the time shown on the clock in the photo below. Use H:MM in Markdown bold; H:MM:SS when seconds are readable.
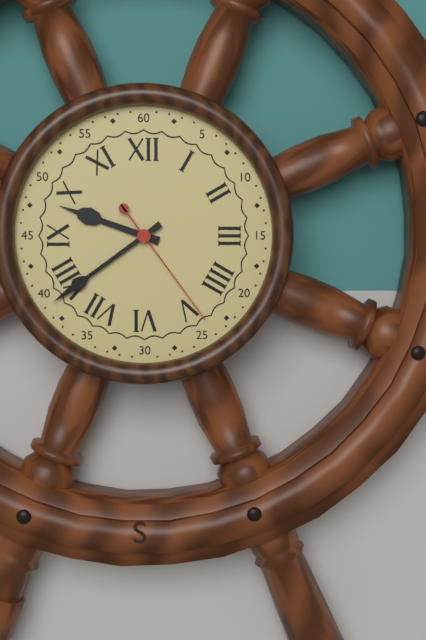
**9:39:24**
